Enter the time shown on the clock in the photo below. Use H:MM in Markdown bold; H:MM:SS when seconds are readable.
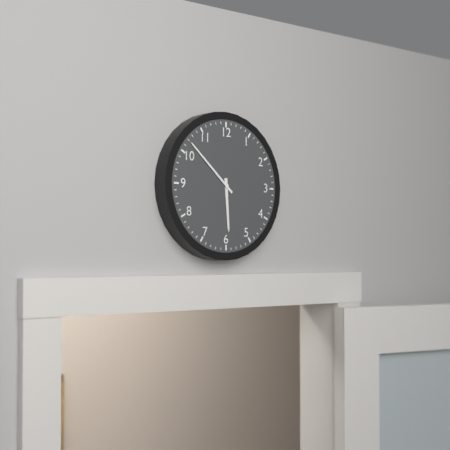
**5:52**
